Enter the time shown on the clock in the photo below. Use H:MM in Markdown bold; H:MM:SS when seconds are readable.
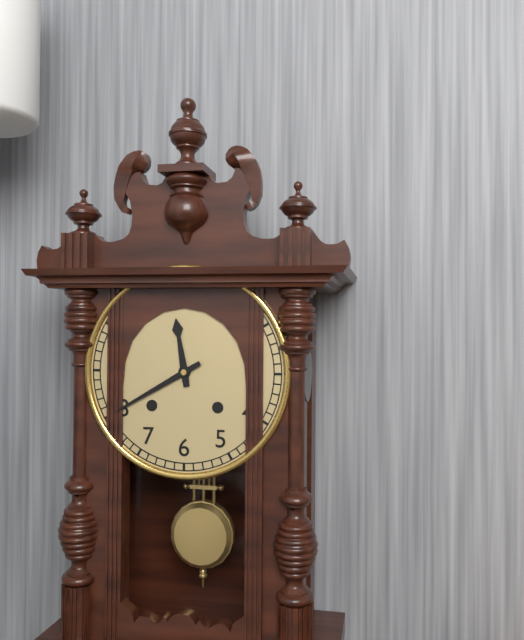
**11:40**
